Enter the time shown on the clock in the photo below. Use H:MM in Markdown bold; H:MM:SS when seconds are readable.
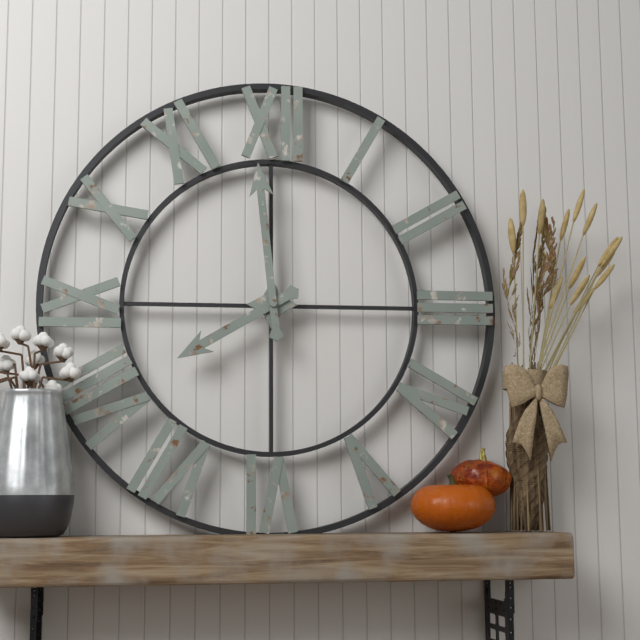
**7:59**
